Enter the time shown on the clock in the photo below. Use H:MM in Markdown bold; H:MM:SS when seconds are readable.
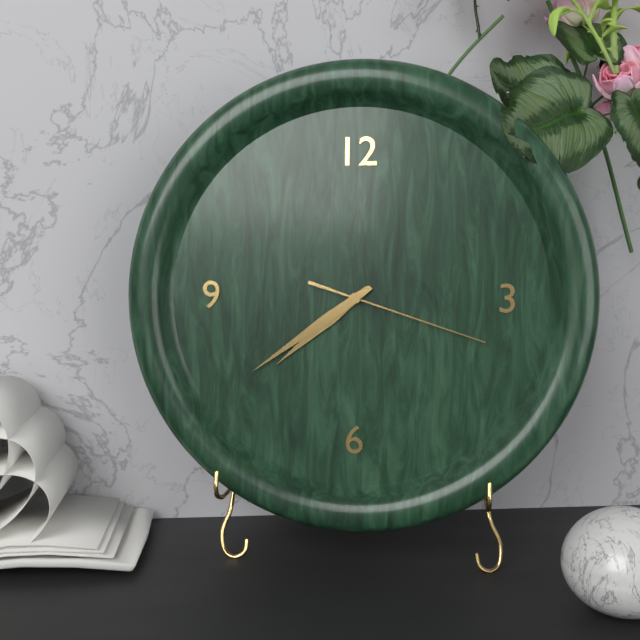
**7:39:18**
